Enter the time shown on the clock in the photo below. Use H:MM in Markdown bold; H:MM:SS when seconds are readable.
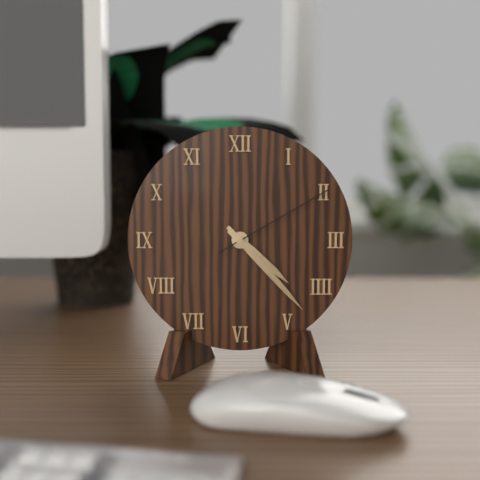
**4:23:10**
